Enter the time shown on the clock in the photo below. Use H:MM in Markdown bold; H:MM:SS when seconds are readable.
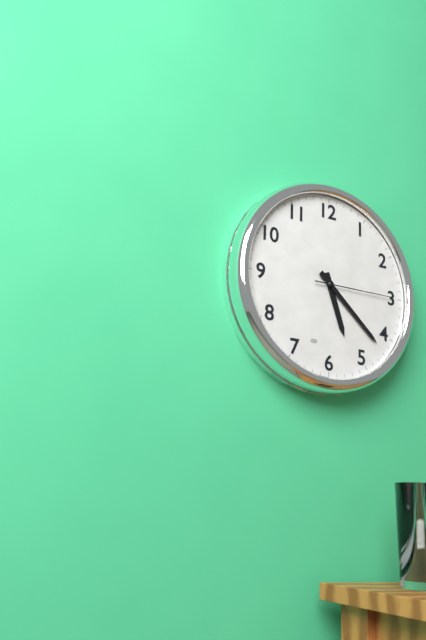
**5:22:15**
